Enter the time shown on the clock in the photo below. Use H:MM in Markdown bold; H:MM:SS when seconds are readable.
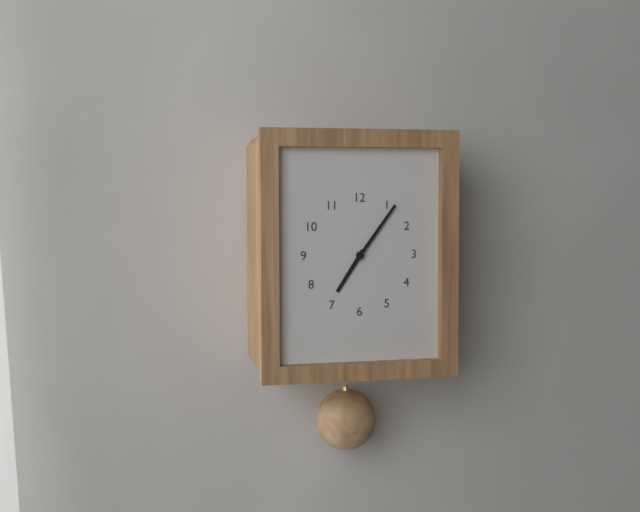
**7:06**
